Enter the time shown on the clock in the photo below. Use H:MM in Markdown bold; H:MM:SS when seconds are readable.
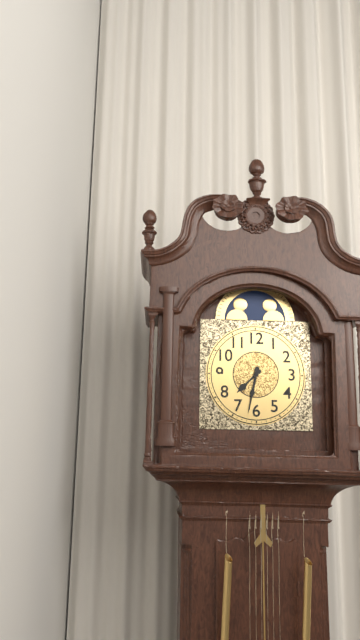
**7:32**
